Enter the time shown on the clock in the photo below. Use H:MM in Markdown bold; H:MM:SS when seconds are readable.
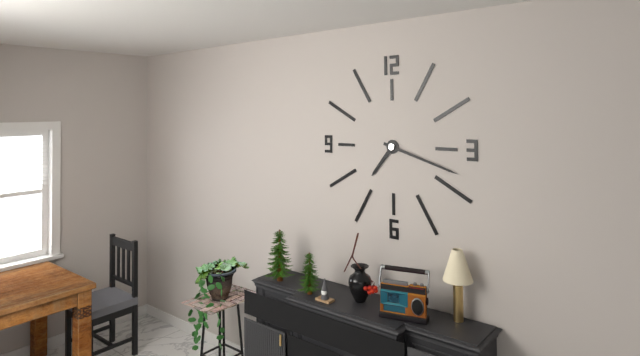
**7:18**
